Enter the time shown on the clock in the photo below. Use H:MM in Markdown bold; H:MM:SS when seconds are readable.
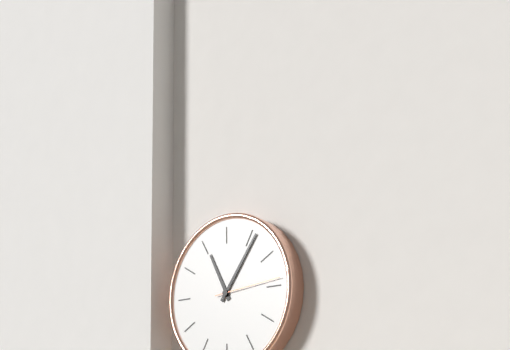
**11:06:14**
